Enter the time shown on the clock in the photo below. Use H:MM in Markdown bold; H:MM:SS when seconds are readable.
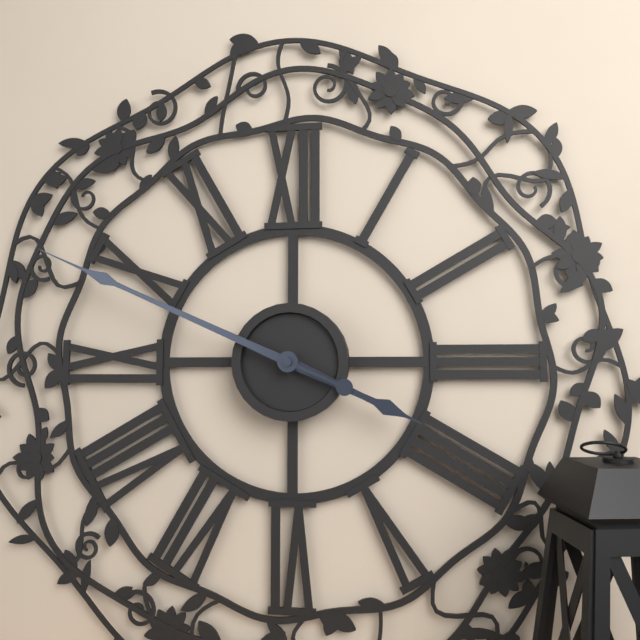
**3:49**
